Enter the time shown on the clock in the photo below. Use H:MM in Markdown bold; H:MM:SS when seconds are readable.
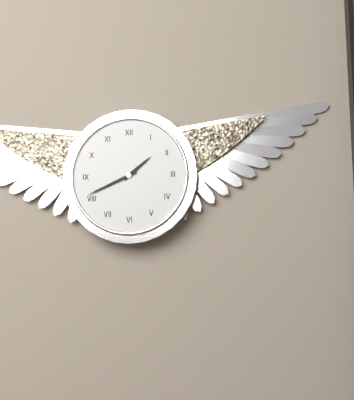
**1:41**
